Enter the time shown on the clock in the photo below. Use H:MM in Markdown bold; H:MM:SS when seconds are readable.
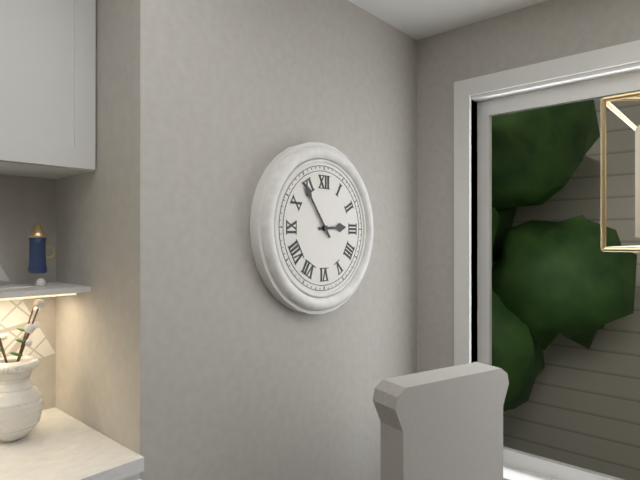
**2:54**
